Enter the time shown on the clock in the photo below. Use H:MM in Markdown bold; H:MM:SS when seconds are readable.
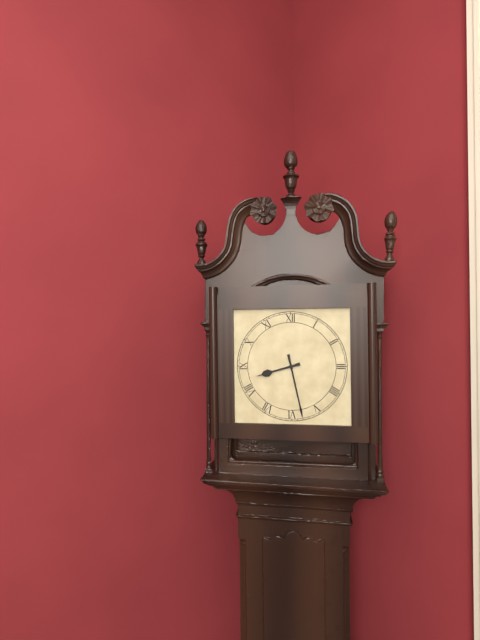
**8:28**
